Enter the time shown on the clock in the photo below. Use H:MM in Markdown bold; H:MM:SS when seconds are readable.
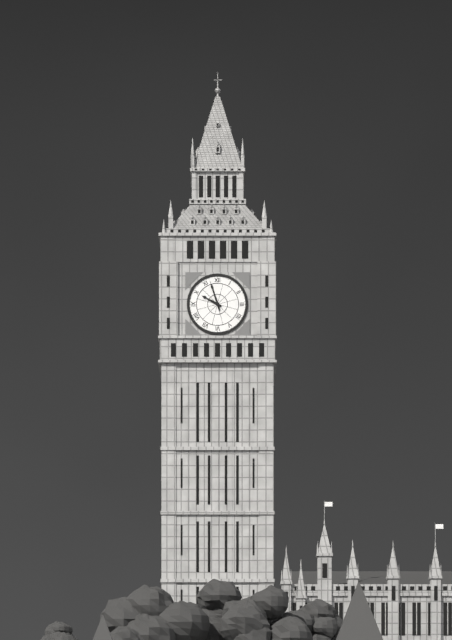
**9:57**
